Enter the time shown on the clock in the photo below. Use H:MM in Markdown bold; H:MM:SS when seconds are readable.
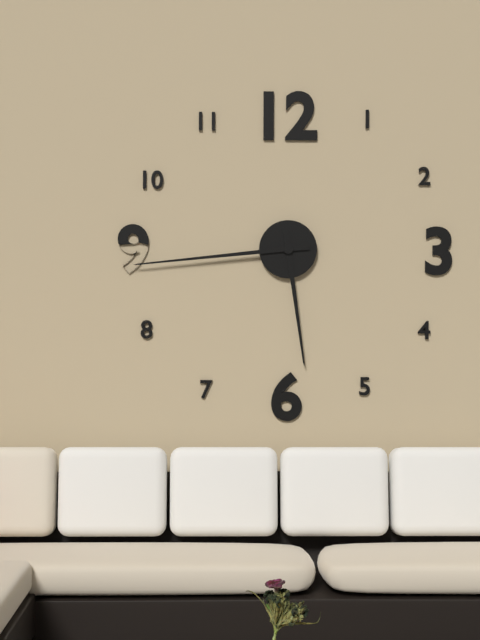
**5:44**
